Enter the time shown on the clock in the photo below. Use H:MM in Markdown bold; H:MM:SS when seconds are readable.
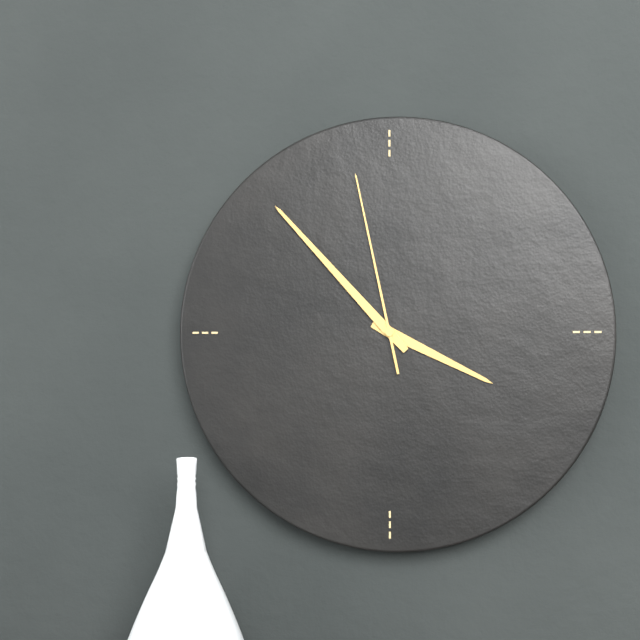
**3:53:58**
